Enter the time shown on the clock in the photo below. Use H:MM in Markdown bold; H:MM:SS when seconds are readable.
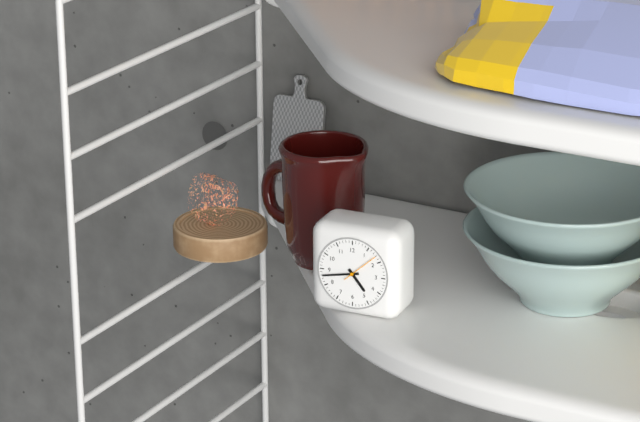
**4:43**
